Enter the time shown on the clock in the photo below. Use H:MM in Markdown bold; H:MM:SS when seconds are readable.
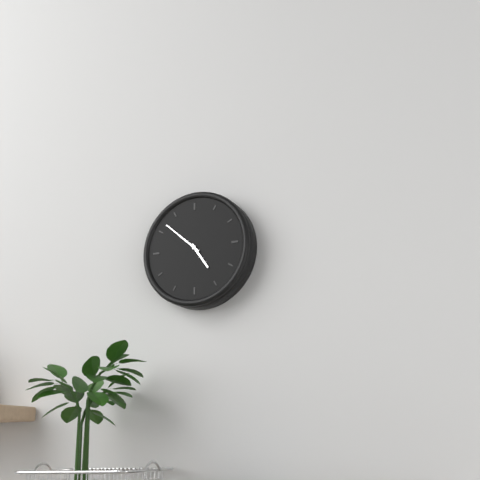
**4:52**
